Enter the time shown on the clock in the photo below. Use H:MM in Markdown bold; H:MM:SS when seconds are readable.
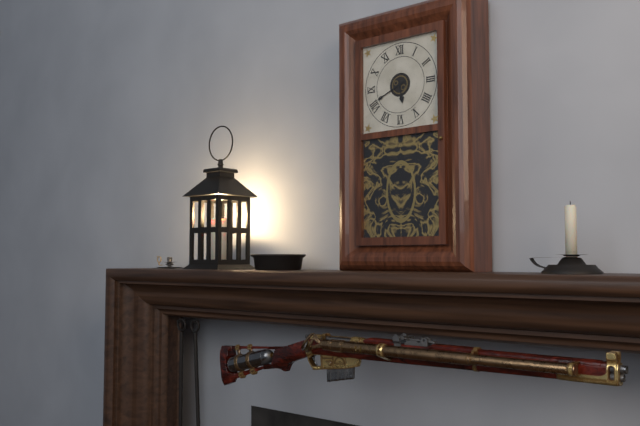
**5:41**
